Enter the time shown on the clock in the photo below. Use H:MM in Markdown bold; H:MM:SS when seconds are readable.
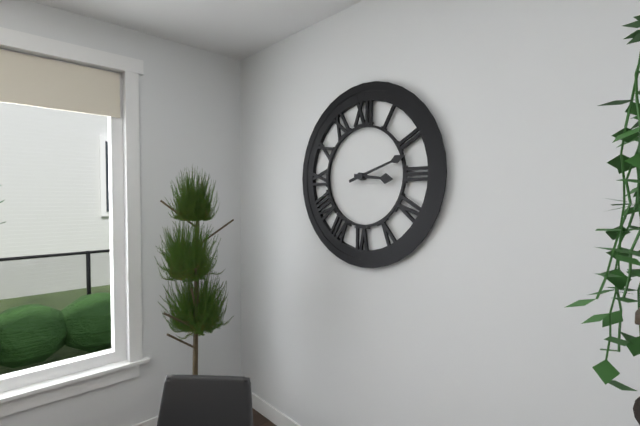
**3:12**
